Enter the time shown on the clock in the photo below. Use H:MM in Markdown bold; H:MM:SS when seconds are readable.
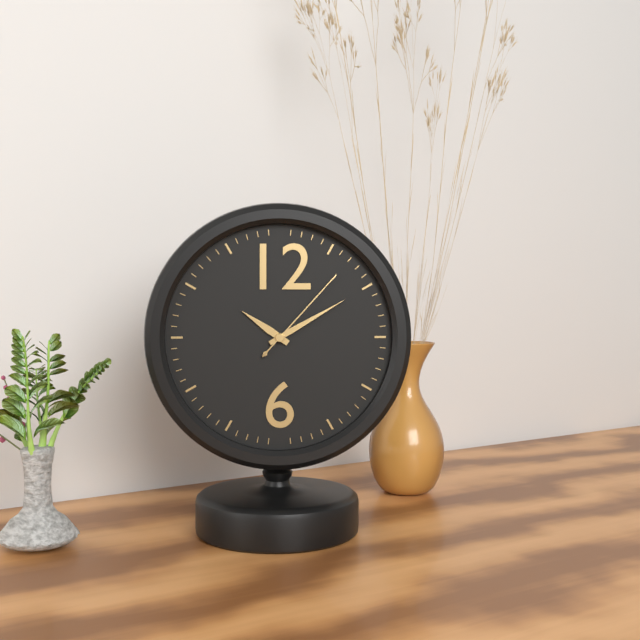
**10:10:07**
